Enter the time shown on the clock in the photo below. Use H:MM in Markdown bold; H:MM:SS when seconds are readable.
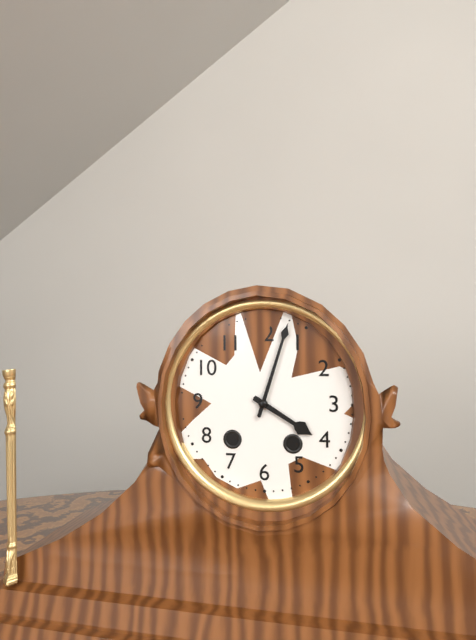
**4:03**
